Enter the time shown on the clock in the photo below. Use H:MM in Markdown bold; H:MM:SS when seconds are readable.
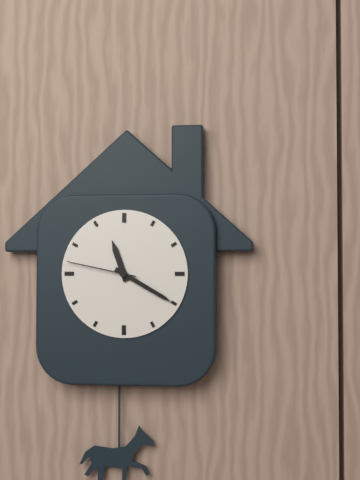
**11:20:47**
